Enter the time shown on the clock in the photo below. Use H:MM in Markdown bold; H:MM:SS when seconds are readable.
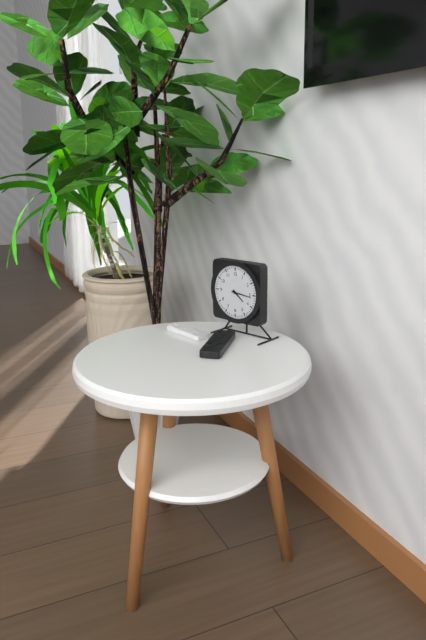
**4:16**
